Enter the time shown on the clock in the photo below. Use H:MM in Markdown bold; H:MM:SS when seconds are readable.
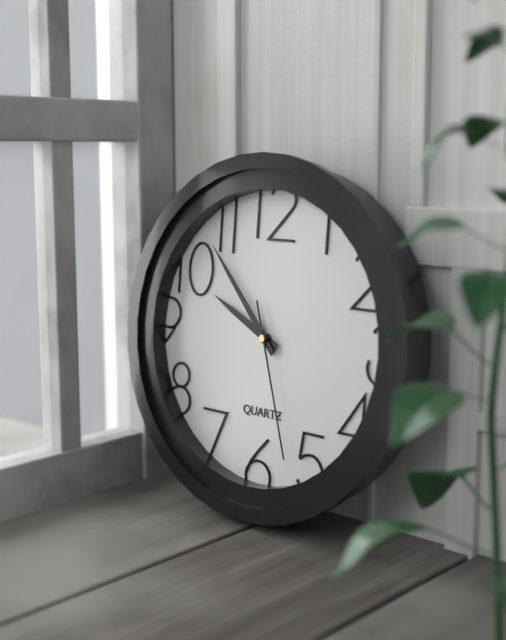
**9:53:27**
